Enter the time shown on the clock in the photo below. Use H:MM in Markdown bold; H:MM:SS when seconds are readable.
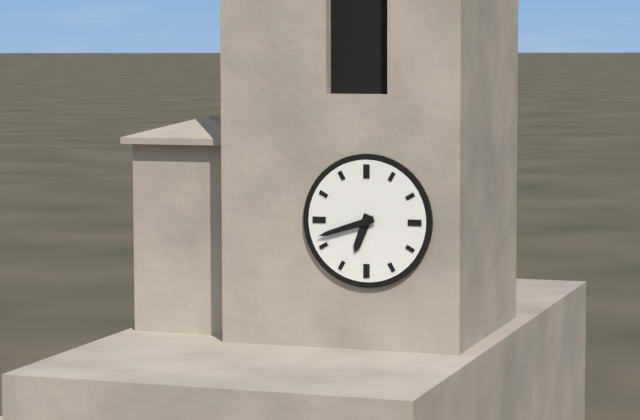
**6:42**
